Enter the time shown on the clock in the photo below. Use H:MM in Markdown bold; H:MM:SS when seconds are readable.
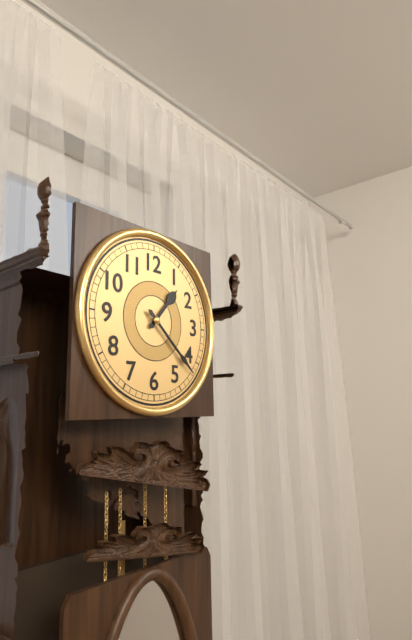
**1:22**
